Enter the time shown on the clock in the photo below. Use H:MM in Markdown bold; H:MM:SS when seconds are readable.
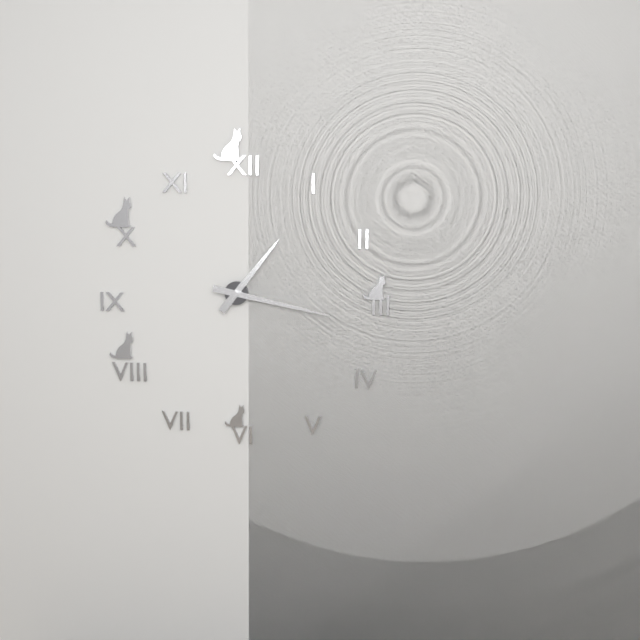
**1:17**
